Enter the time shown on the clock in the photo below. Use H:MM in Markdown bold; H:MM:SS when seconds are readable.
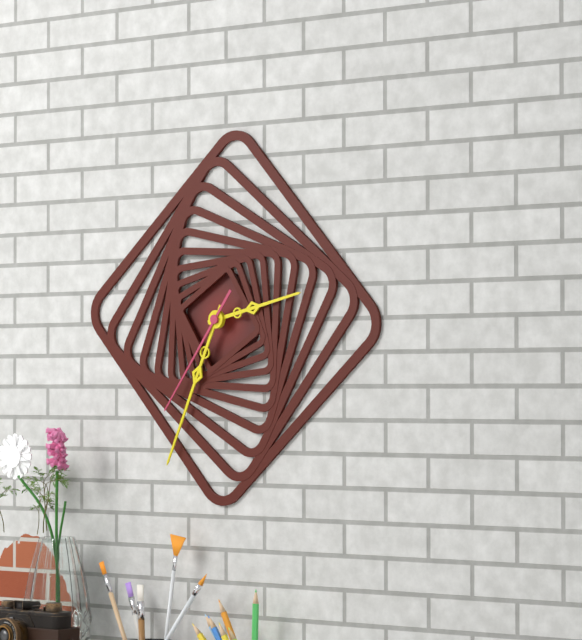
**2:34:36**
